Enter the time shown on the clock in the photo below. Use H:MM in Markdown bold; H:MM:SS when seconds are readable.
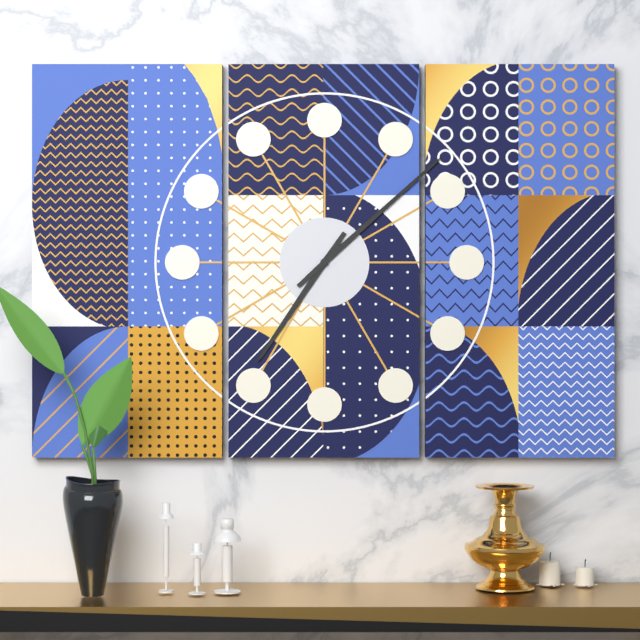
**7:08**
